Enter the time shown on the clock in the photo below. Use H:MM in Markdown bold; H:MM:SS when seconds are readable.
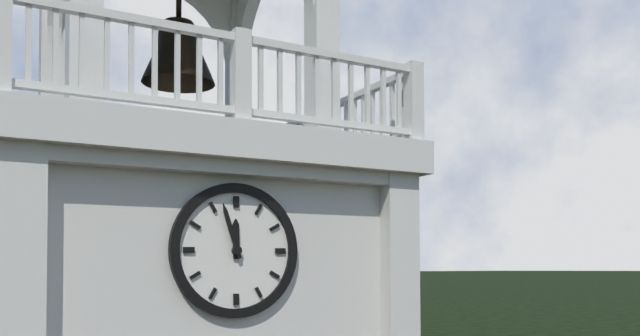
**11:57**
